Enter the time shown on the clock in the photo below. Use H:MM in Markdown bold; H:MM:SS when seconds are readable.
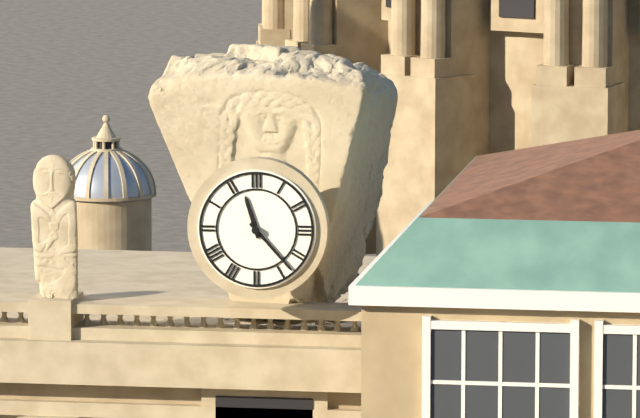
**11:23**
